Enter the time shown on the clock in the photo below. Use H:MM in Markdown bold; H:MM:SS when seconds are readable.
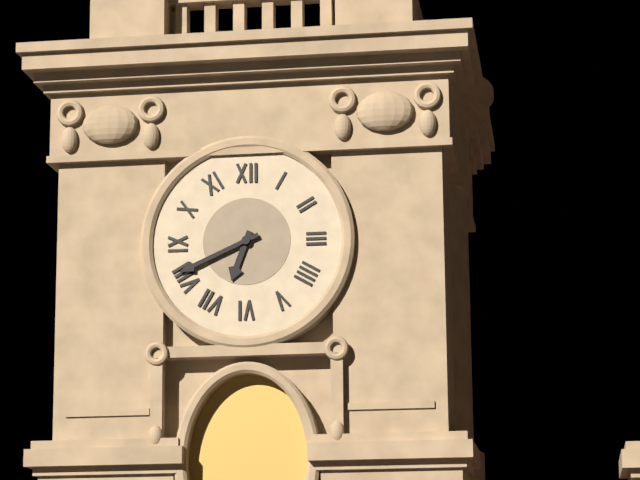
**6:41**
